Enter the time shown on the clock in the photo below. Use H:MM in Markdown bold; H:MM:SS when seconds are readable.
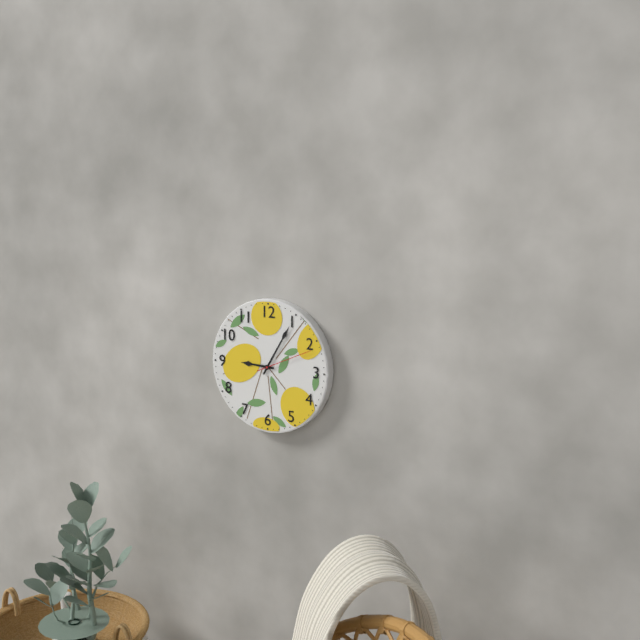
**9:05:11**
